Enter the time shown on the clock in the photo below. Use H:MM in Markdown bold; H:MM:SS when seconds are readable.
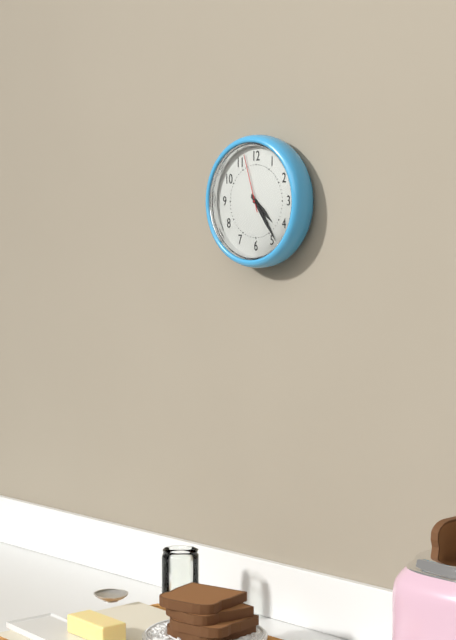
**4:24:57**
